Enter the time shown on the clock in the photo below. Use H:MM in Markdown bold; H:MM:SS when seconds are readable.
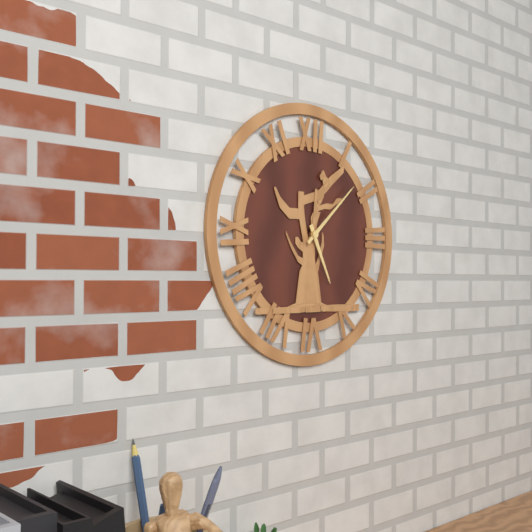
**5:08**
